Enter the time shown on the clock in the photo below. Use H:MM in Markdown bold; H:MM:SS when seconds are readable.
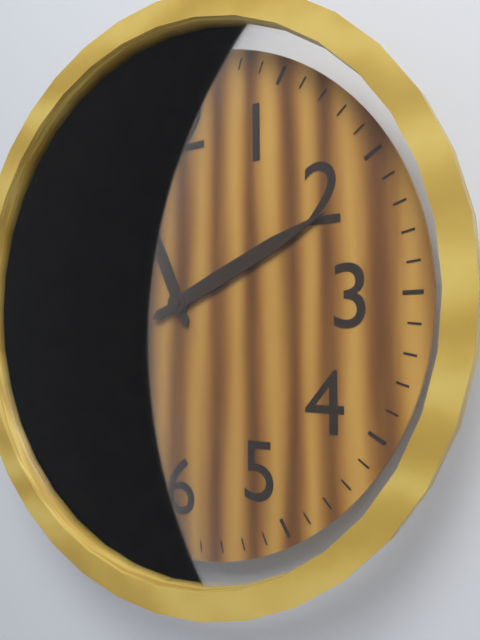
**11:11**
